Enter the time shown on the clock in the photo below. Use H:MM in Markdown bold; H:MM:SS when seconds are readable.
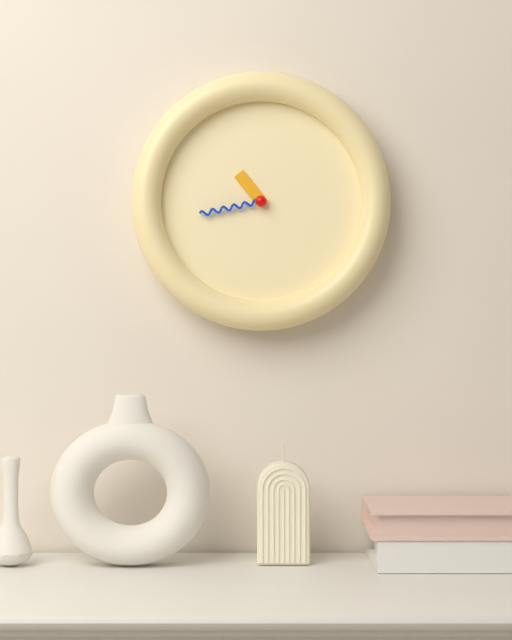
**10:43**
